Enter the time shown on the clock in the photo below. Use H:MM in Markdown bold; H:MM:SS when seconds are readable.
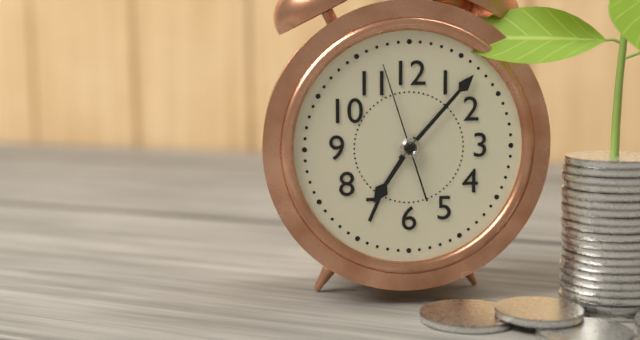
**7:07:57**
